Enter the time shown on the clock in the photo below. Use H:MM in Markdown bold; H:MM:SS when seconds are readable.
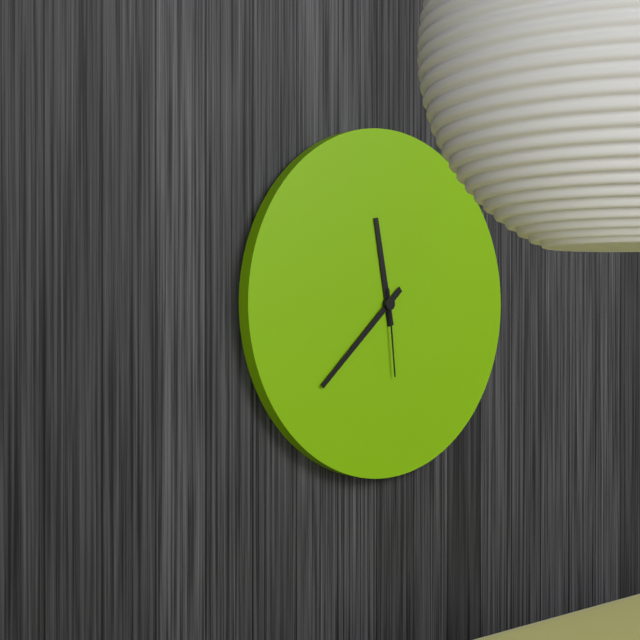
**11:38:29**
